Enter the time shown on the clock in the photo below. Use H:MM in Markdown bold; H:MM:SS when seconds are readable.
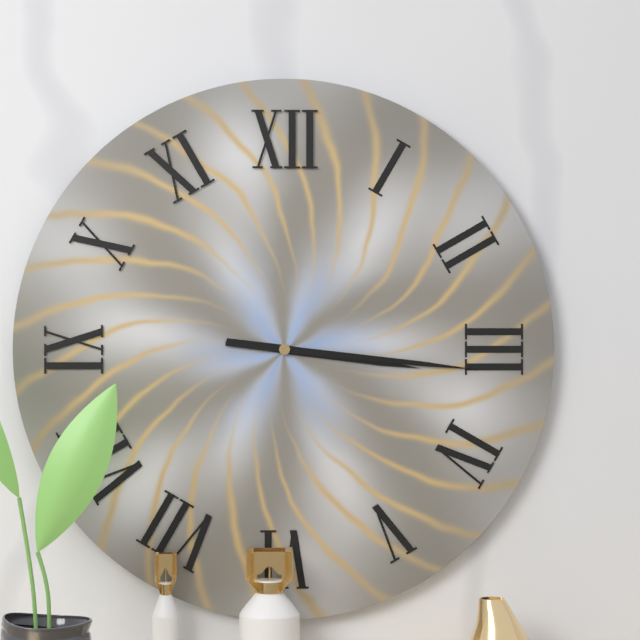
**3:16**
